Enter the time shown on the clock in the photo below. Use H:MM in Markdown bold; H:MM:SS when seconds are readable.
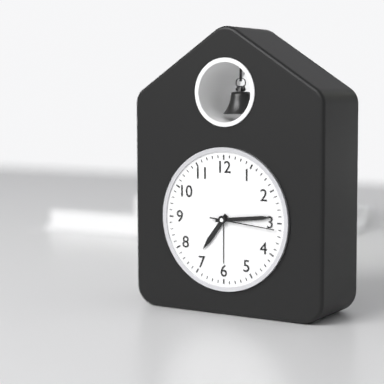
**7:14:16**
